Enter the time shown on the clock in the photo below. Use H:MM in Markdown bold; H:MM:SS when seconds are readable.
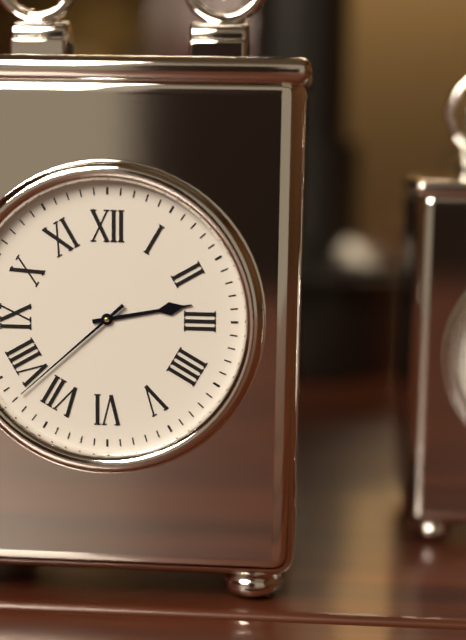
**2:38**
